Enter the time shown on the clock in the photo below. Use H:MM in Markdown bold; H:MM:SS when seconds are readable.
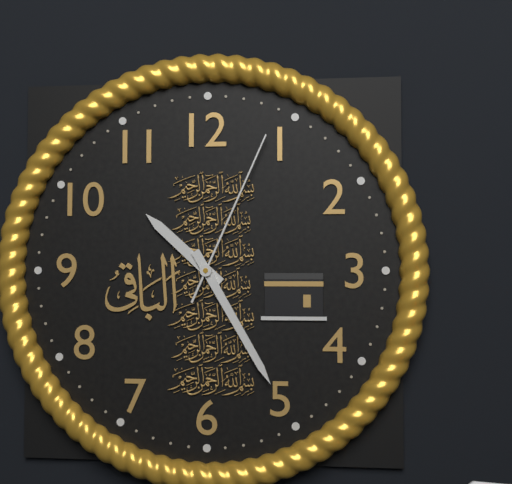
**10:25:04**
